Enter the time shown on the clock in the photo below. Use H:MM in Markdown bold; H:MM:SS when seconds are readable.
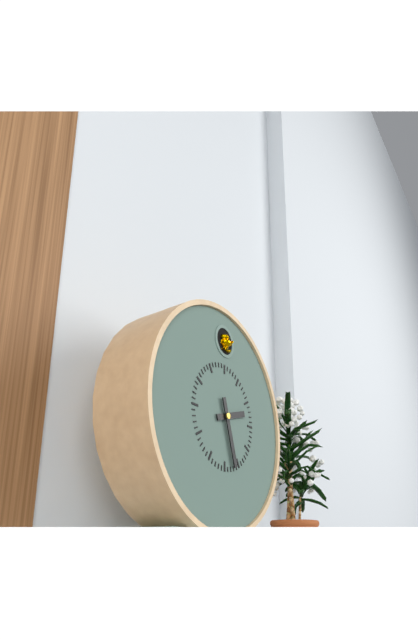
**2:27**
